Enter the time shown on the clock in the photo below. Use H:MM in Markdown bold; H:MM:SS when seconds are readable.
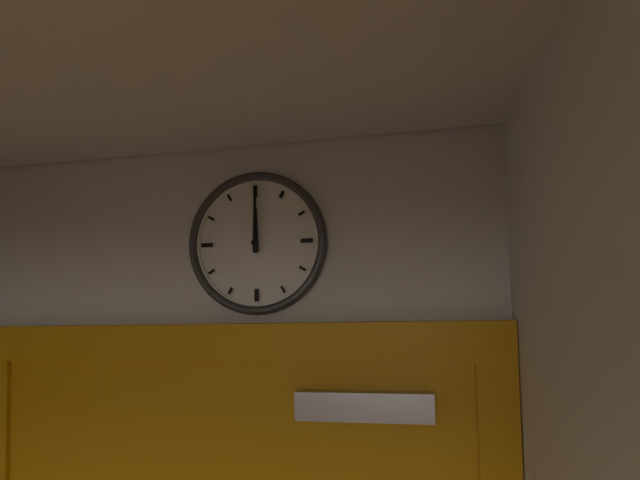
**12:00**
